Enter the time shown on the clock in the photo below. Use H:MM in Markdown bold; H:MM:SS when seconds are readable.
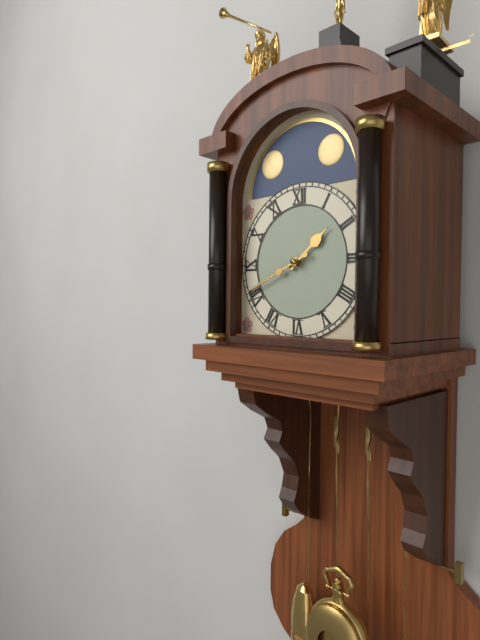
**1:41**
